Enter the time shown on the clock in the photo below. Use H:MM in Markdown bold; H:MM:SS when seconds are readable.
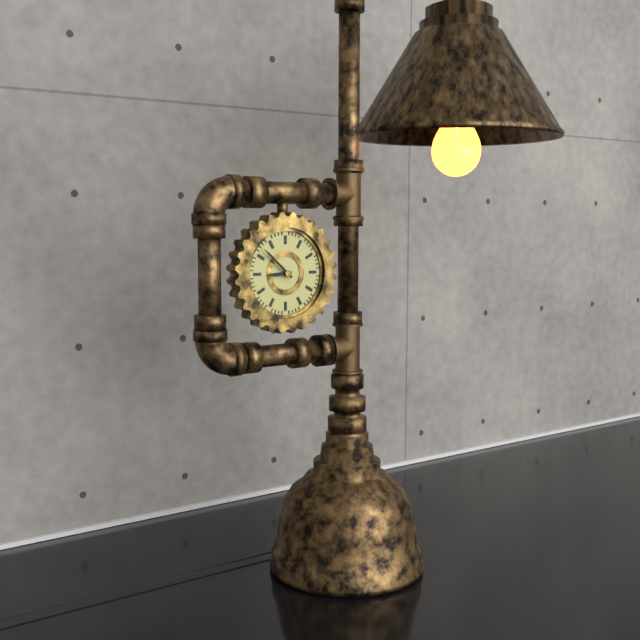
**8:52**
